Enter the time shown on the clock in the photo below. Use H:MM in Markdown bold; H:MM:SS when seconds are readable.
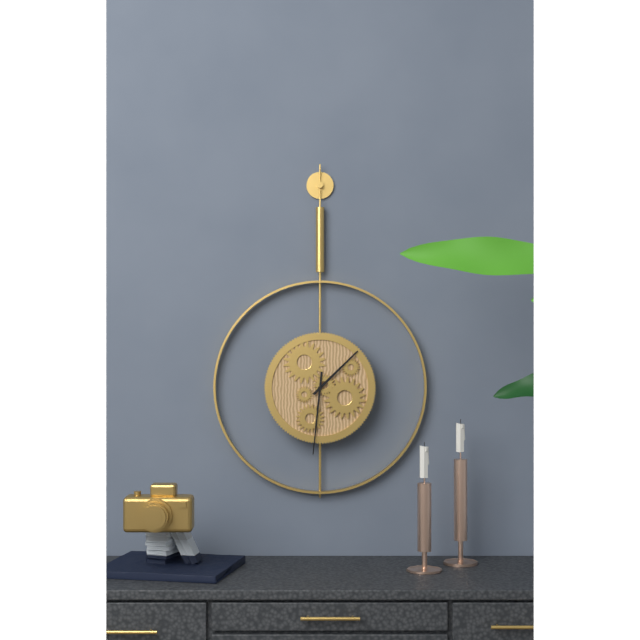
**1:31**
